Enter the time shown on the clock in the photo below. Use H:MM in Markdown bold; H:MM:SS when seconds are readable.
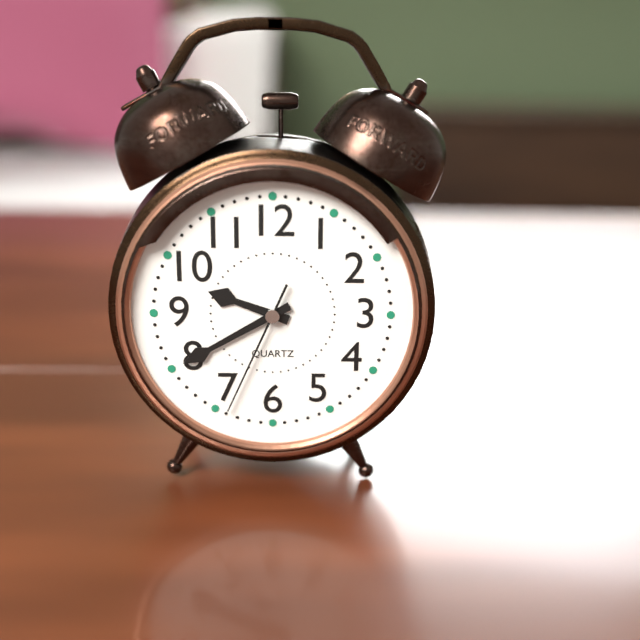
**9:40:34**
